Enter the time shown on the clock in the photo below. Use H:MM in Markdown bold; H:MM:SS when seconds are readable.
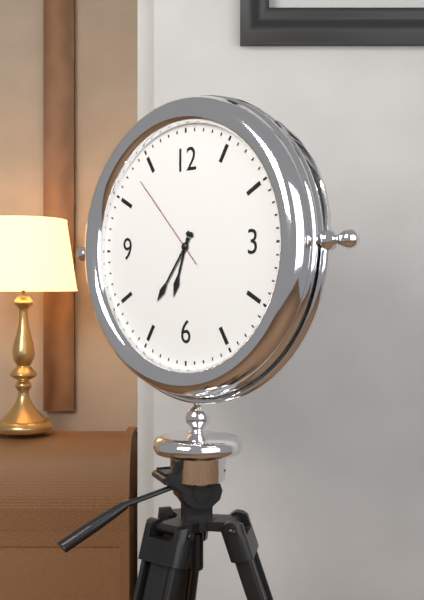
**6:36:53**
